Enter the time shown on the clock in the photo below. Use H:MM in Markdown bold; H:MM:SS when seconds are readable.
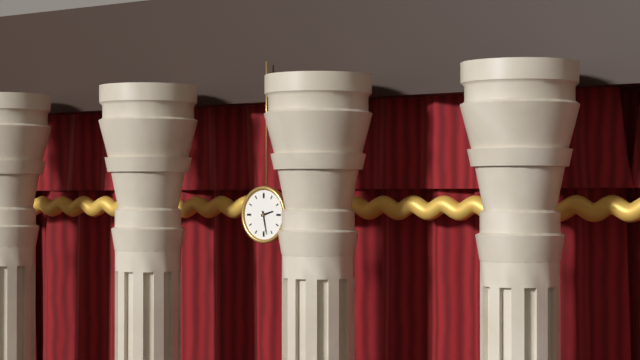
**2:28**
